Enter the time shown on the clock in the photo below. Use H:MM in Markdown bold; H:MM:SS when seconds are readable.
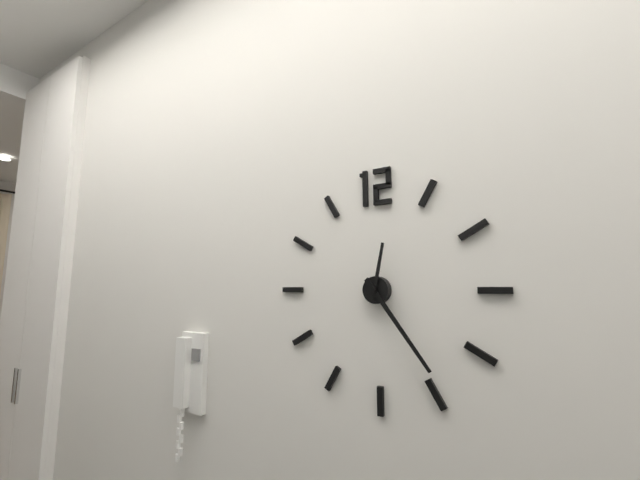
**12:24**
